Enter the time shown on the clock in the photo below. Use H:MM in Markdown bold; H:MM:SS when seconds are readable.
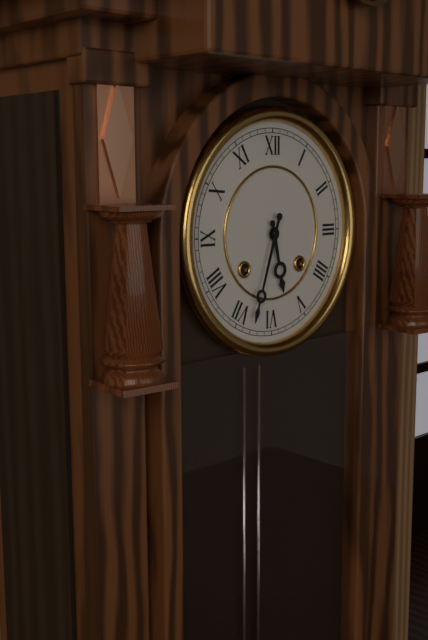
**5:33**
